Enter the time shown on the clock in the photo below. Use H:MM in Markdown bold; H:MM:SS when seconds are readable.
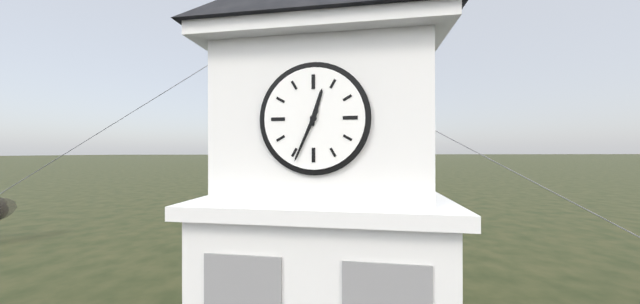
**12:34**
